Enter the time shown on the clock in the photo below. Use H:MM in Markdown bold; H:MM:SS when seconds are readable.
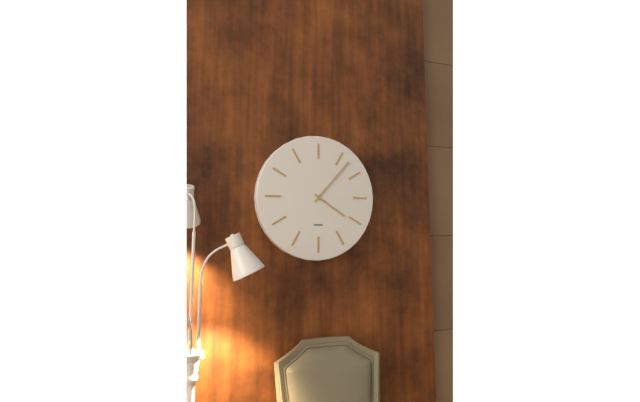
**4:07**
